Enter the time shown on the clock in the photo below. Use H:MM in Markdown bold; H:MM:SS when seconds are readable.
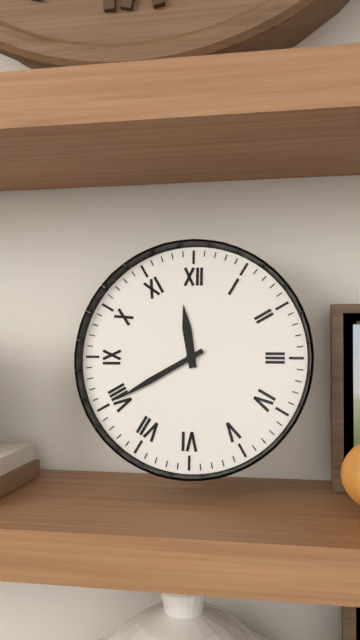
**11:40**
